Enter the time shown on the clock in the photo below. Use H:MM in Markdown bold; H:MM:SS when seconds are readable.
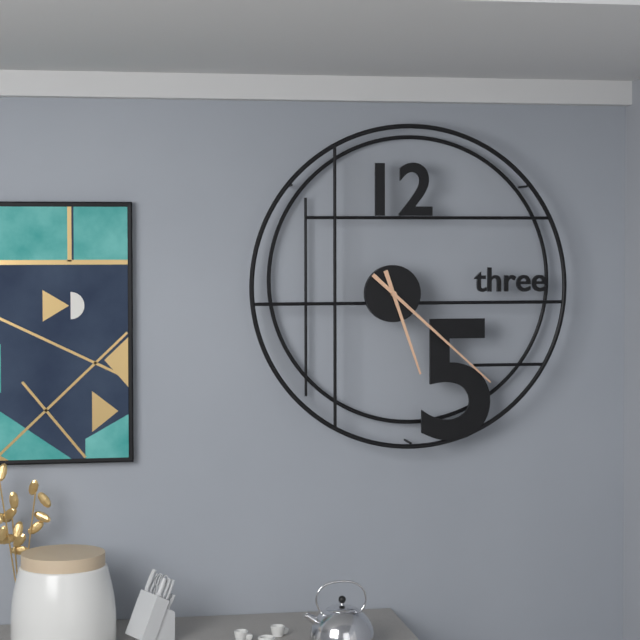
**5:22**
